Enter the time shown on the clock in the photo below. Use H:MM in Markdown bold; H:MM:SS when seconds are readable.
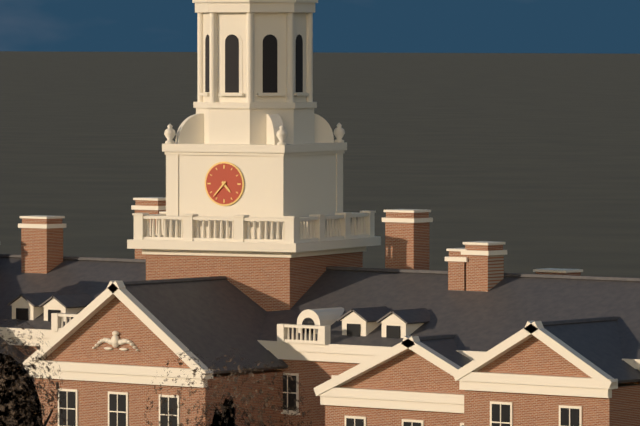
**4:37**
